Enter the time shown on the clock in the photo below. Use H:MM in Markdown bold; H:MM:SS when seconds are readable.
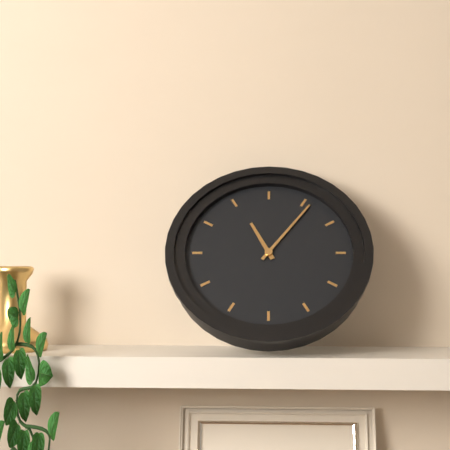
**11:06**
